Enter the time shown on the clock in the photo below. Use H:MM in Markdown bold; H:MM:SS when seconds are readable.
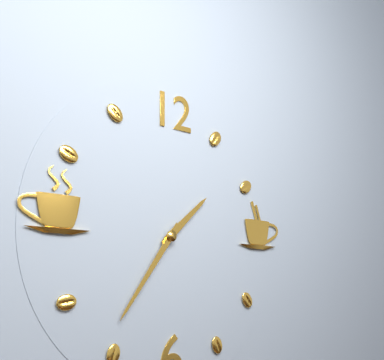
**1:36**
